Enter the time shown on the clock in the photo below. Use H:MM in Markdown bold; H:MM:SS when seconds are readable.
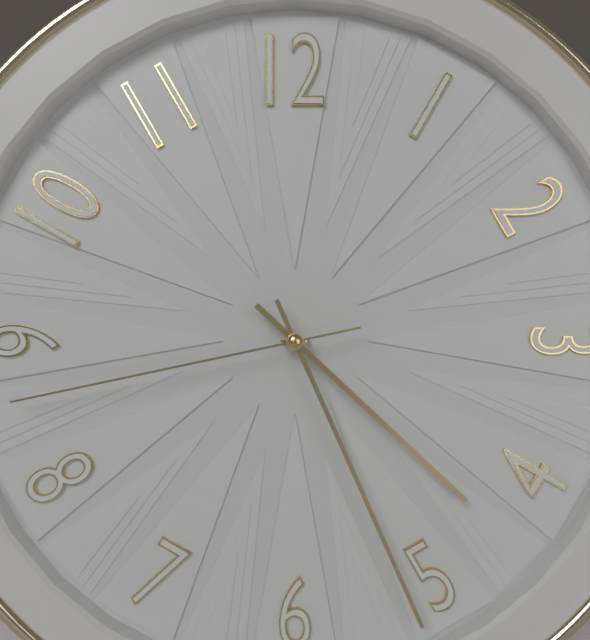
**4:26:43**
